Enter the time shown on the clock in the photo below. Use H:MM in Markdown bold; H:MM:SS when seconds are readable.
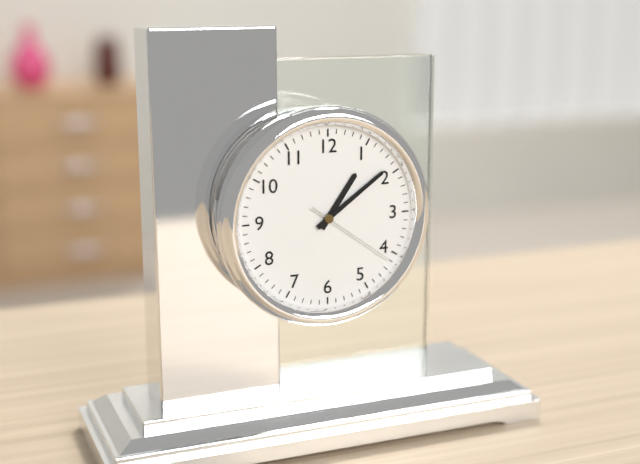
**1:09:21**
